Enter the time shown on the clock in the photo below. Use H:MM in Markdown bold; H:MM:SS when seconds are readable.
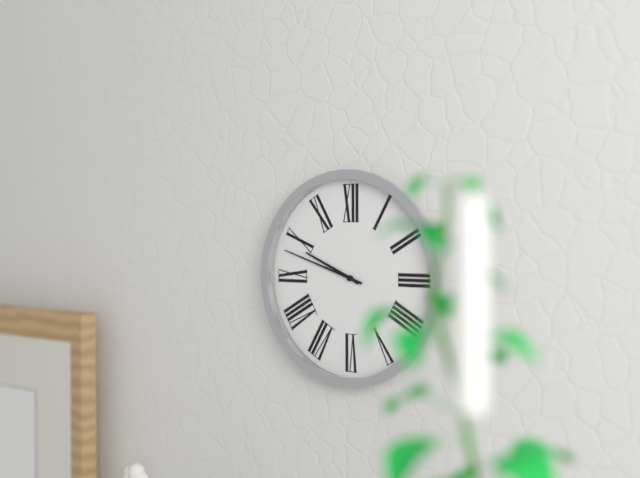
**9:48**
